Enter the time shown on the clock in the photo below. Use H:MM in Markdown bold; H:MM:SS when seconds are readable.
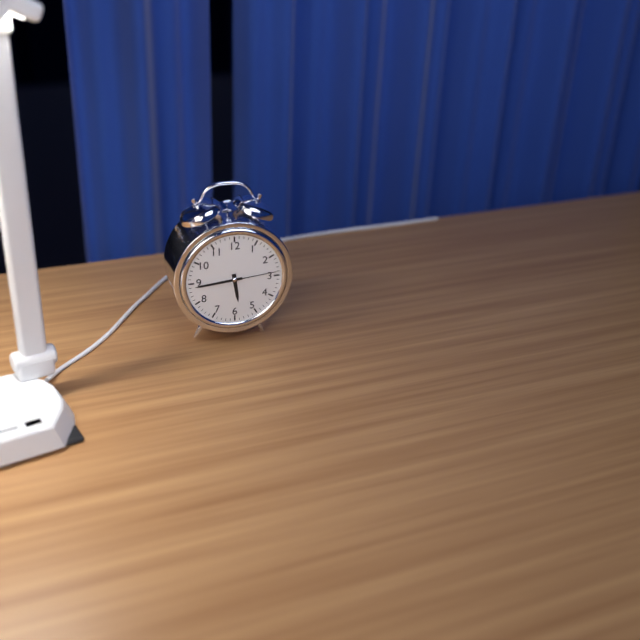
**5:44:14**
